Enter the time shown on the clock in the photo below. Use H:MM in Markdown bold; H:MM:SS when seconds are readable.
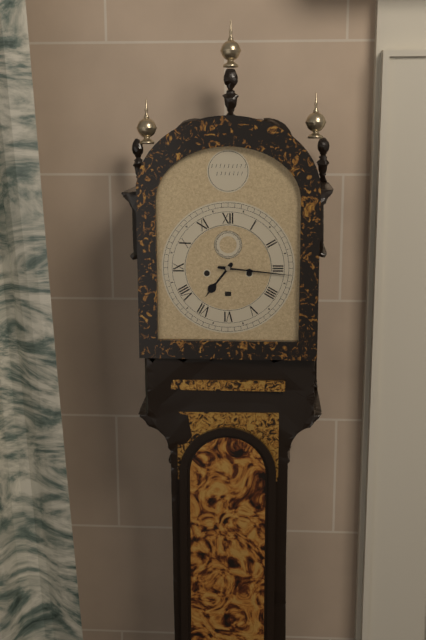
**7:16**
